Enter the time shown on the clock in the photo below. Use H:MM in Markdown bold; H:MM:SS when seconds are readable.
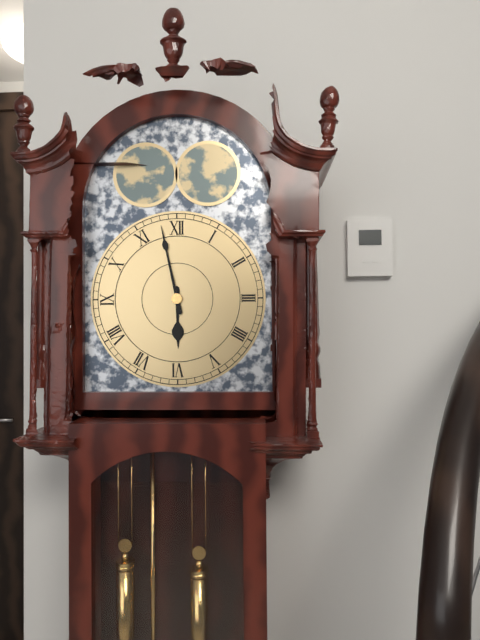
**5:58**
